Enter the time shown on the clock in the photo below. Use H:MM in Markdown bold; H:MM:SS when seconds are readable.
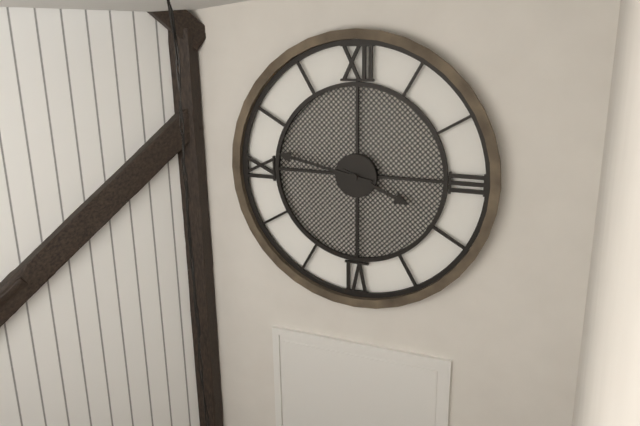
**3:47**
